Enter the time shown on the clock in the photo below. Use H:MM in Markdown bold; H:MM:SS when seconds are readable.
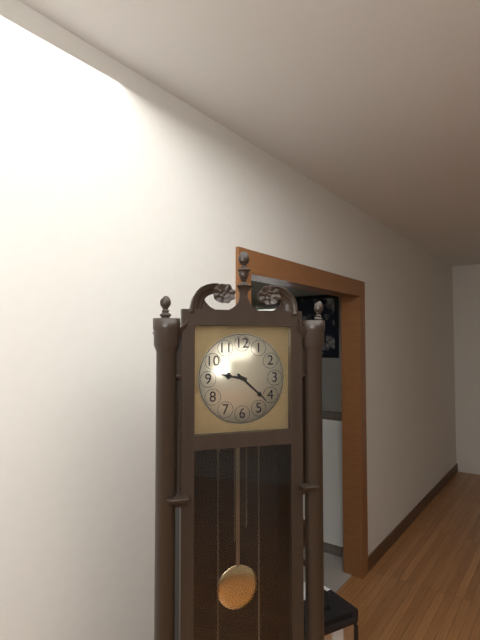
**9:22**
